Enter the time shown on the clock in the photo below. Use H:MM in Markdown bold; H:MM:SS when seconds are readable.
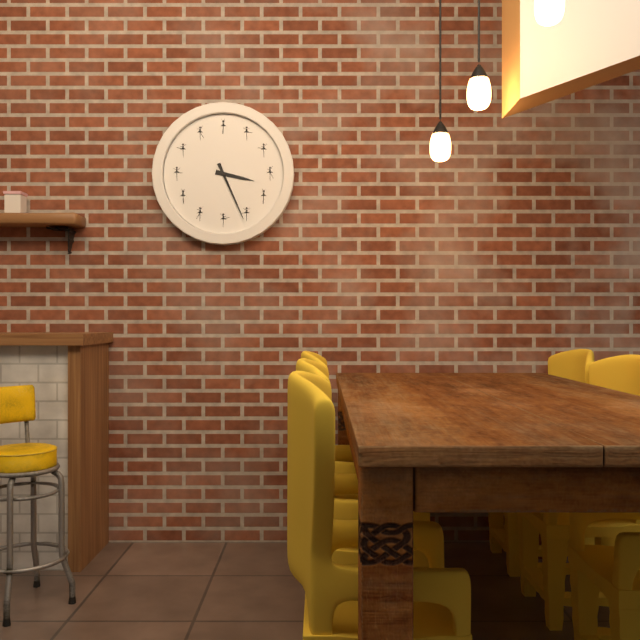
**3:26**
